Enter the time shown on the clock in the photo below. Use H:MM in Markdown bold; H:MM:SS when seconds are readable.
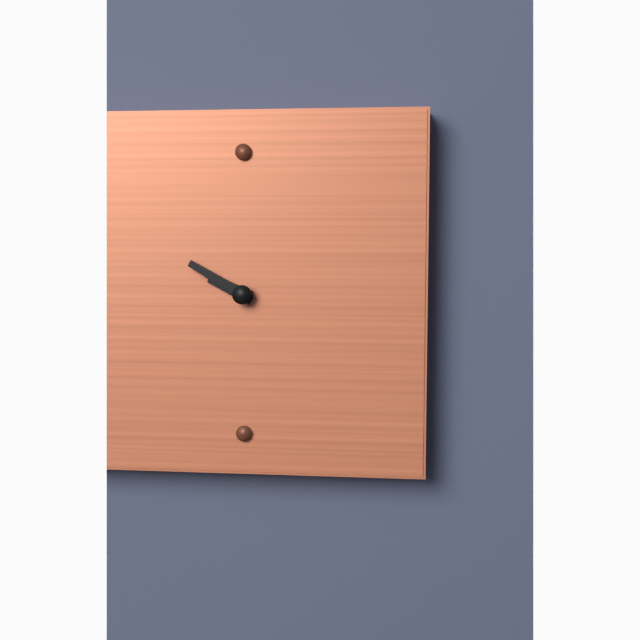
**9:50**
